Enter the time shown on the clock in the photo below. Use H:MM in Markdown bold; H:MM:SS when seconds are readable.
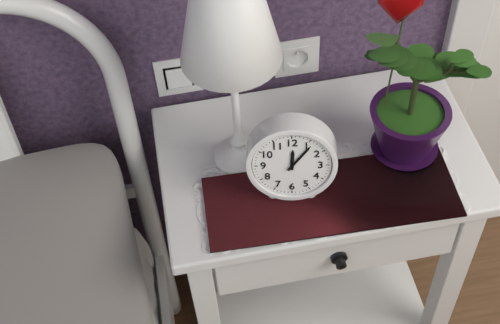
**12:06**
